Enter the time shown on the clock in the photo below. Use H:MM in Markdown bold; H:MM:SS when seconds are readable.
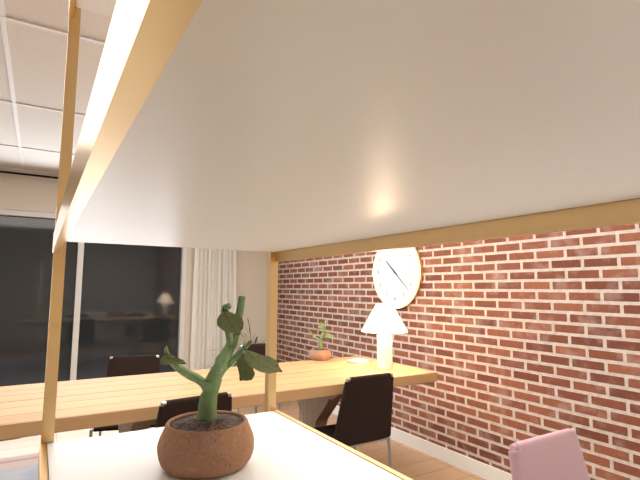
**10:22**
